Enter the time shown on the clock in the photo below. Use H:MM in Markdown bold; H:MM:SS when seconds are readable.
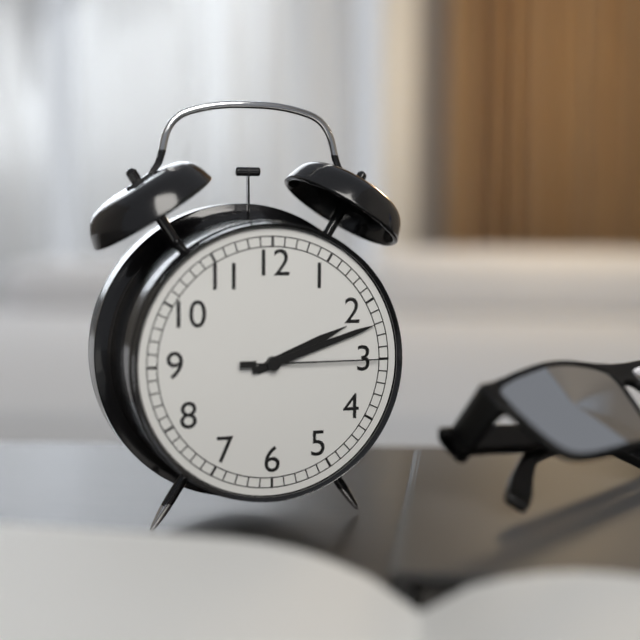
**2:12:15**
